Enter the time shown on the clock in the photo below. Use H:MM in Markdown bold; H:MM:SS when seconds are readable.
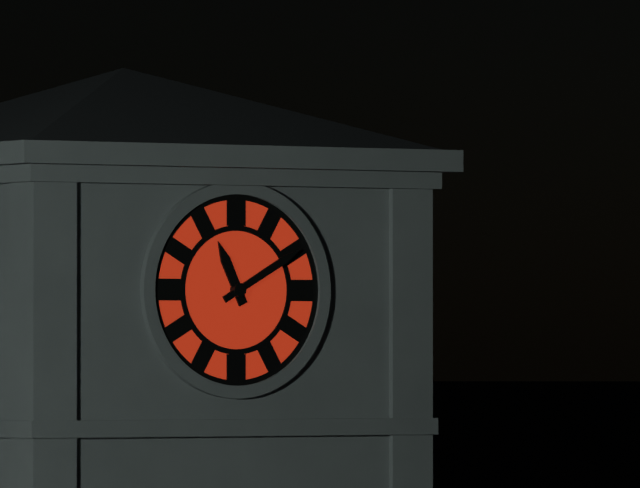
**11:10**
